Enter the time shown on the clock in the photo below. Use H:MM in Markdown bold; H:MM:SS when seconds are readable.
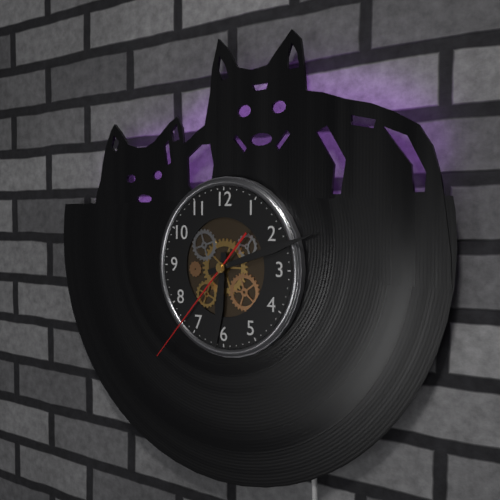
**6:12:37**
